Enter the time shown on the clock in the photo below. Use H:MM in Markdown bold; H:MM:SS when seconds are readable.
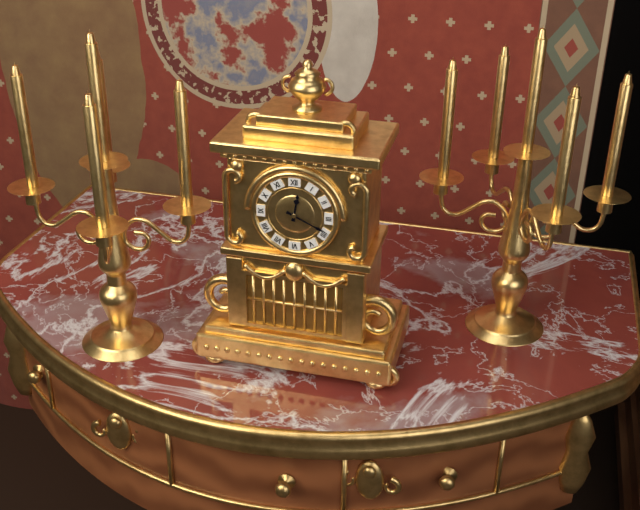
**12:19**
